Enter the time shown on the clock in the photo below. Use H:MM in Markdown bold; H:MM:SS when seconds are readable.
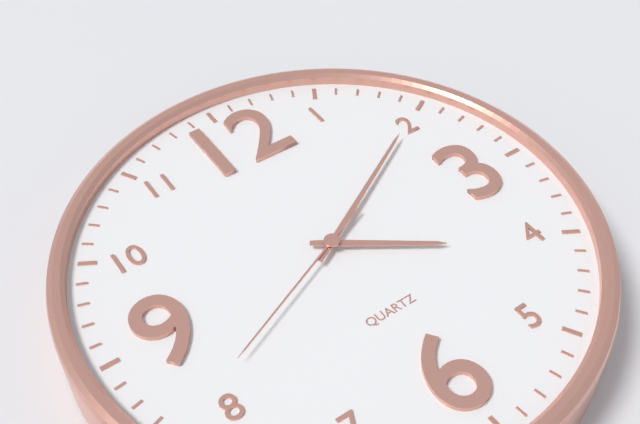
**4:10:41**
